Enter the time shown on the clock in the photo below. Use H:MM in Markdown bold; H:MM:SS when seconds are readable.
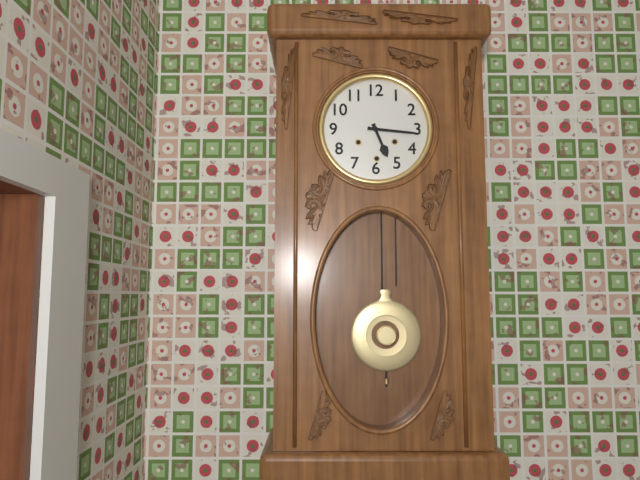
**5:16**
